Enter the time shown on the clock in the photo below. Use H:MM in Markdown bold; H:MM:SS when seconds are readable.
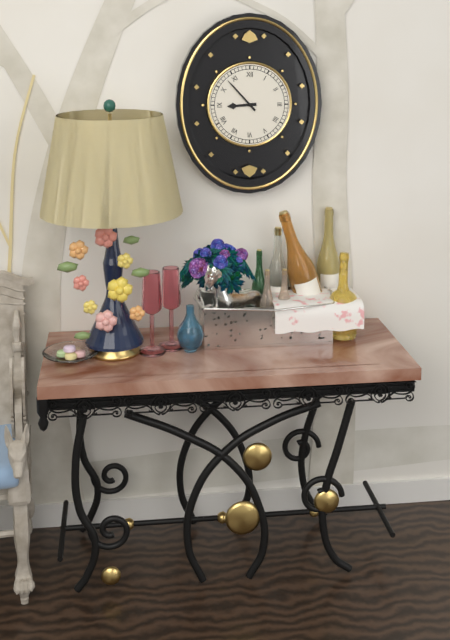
**8:53**
